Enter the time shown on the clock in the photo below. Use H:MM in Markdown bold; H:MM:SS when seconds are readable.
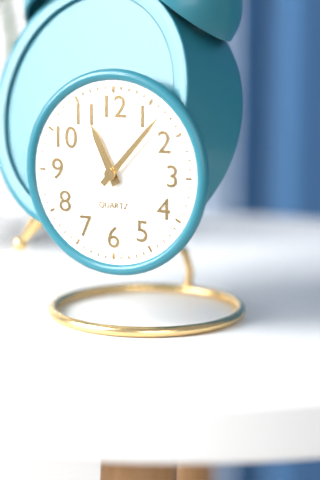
**11:07**
